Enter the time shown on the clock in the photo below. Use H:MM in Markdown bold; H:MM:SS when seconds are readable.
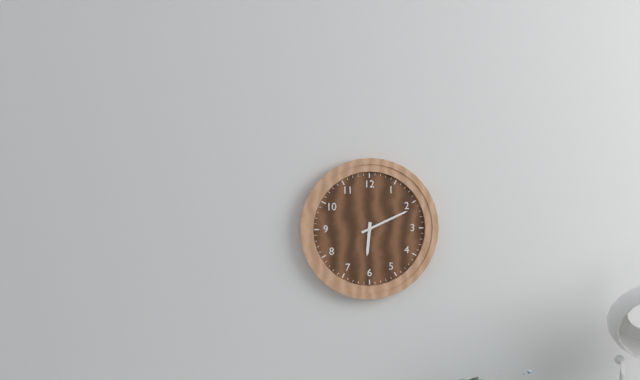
**6:11**
